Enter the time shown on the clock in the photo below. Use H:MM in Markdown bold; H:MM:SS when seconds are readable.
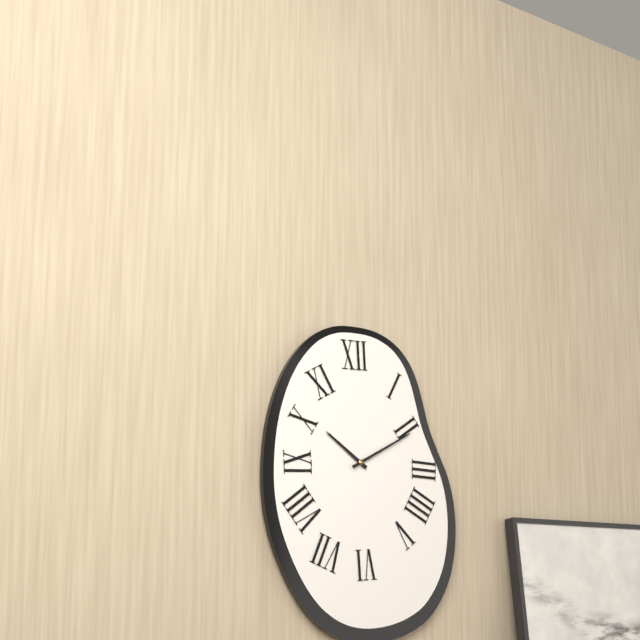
**10:10**
